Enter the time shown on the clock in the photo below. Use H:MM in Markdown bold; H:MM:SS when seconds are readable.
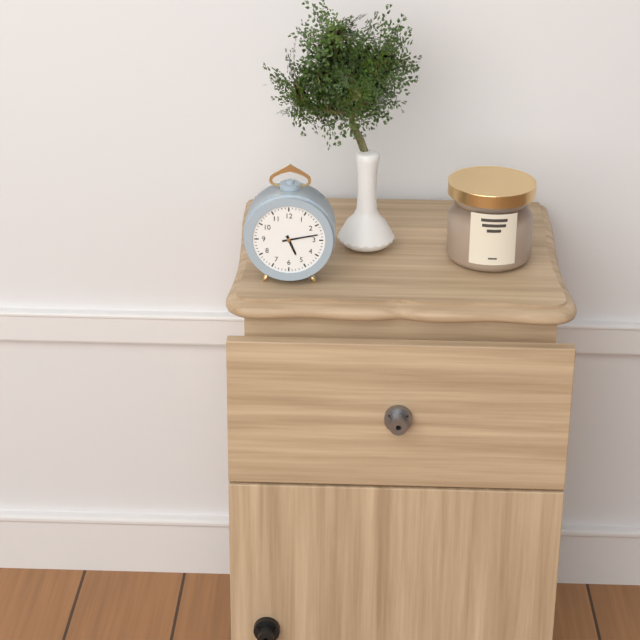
**5:13**
